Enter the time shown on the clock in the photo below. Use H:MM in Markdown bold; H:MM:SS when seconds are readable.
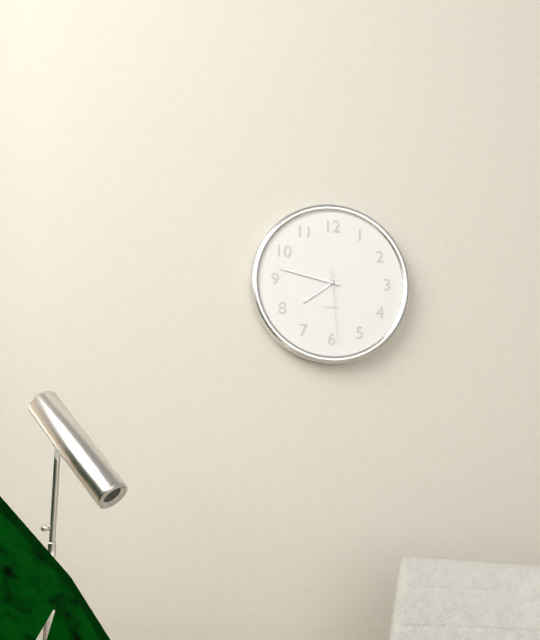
**7:47:29**
